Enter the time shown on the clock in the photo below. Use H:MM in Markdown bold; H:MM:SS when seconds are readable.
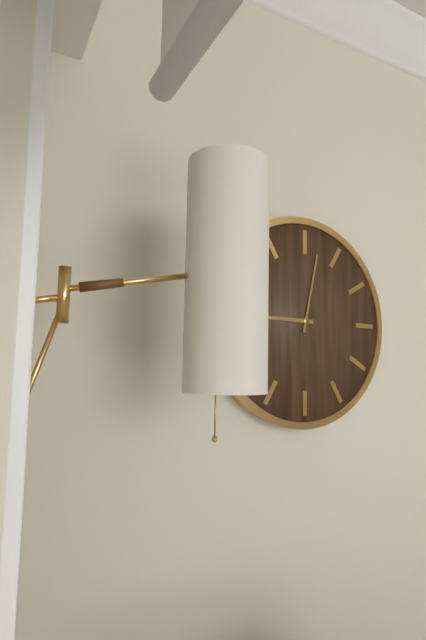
**9:02**
